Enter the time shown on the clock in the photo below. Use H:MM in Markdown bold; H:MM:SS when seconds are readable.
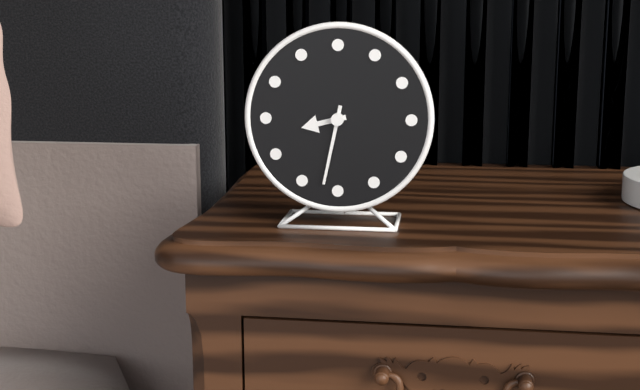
**8:32**
